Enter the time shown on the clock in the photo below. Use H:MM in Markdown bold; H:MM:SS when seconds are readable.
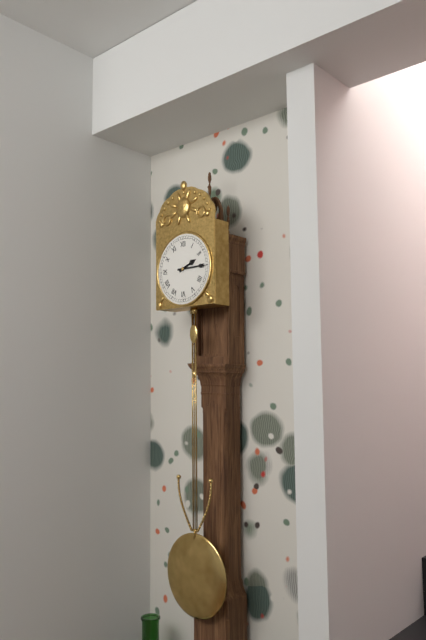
**2:15**
